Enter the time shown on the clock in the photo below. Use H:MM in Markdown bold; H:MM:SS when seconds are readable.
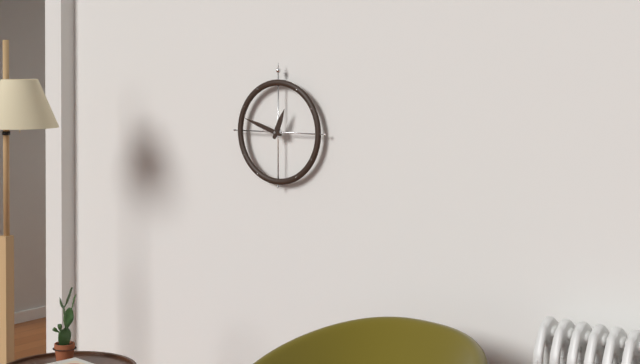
**12:48**
